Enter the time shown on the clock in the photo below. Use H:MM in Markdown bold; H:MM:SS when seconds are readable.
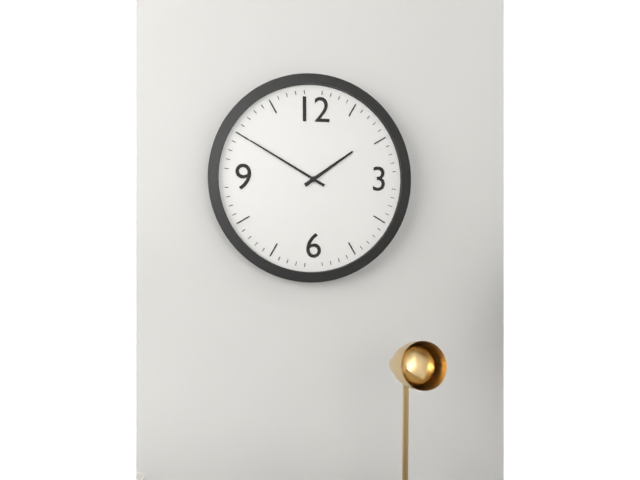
**1:50**
